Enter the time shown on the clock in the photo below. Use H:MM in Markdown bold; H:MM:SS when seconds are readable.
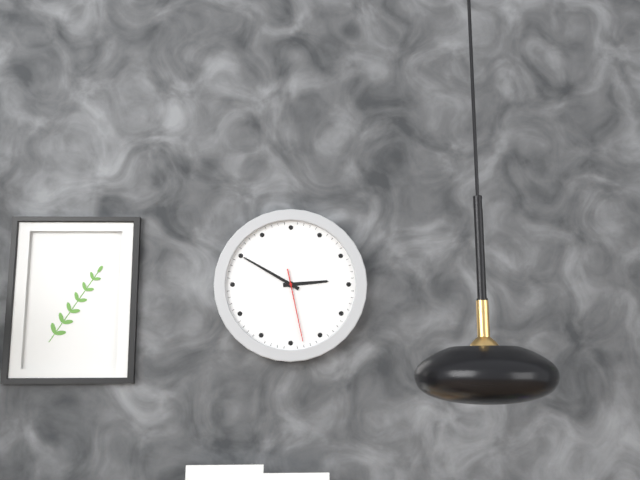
**2:50:28**
